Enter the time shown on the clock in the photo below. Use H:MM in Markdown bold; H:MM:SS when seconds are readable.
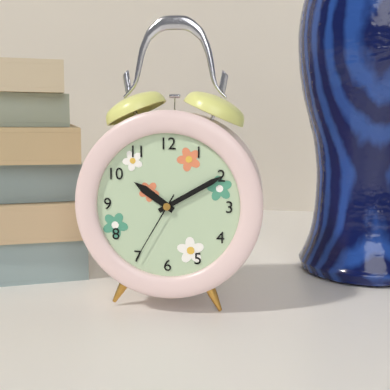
**10:10:35**
